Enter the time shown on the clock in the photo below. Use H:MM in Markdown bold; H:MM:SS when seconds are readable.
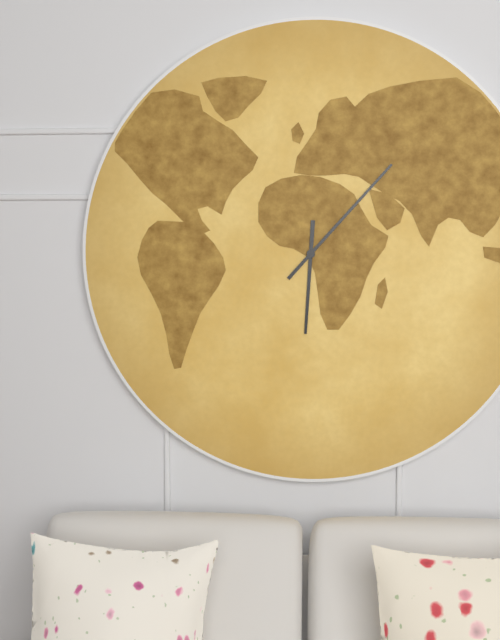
**6:07**
